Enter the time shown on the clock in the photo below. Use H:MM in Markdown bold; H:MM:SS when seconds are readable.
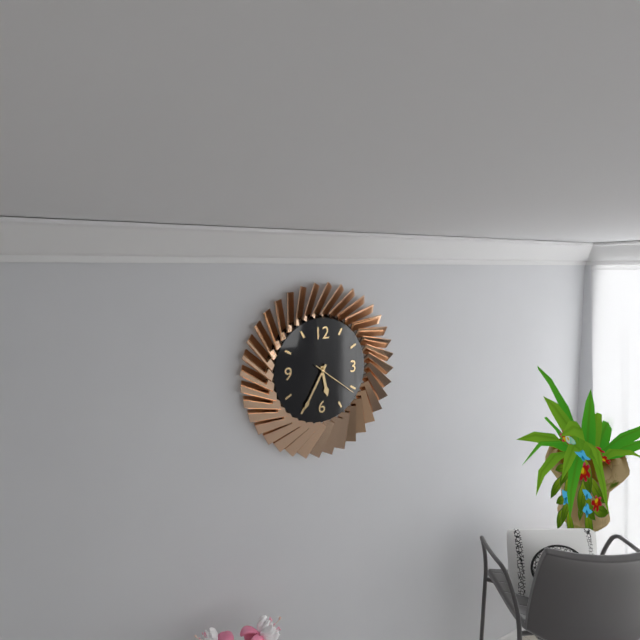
**5:35**
